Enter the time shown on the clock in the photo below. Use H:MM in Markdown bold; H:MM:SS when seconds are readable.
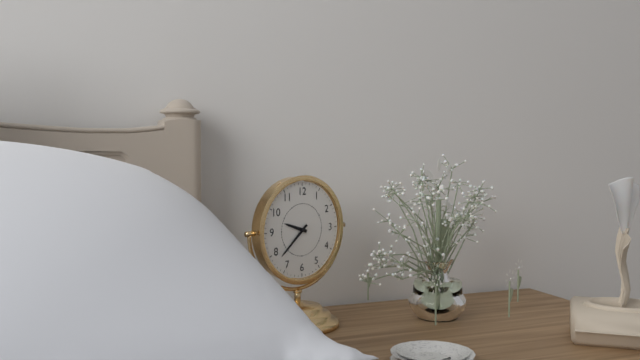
**9:38**
